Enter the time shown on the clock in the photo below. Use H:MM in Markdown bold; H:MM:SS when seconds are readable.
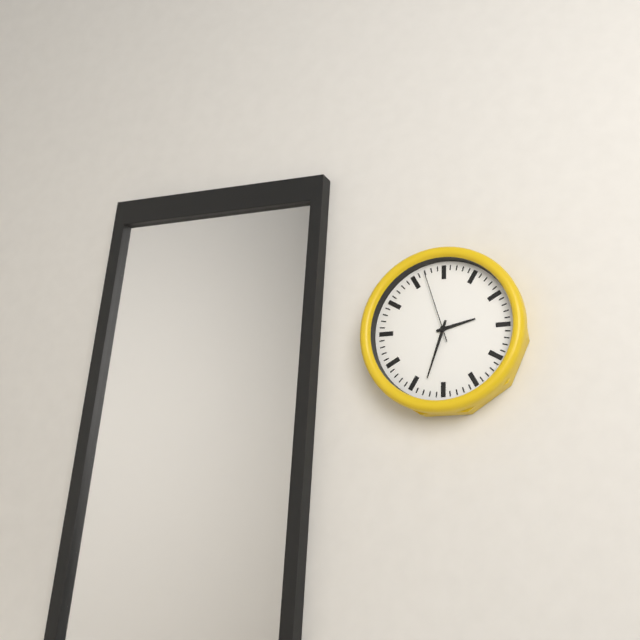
**2:33:57**
